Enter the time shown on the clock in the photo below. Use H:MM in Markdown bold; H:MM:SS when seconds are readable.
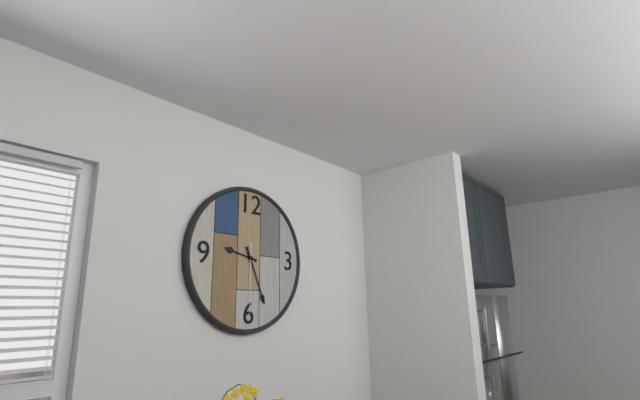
**9:26:30**
